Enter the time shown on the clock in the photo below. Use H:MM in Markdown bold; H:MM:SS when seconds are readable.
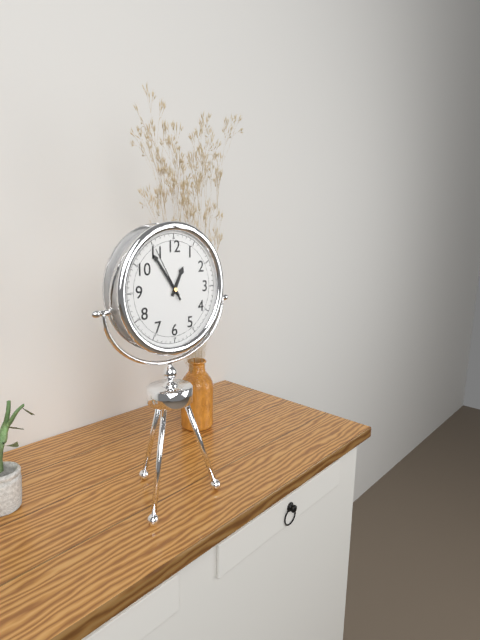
**12:54:55**
